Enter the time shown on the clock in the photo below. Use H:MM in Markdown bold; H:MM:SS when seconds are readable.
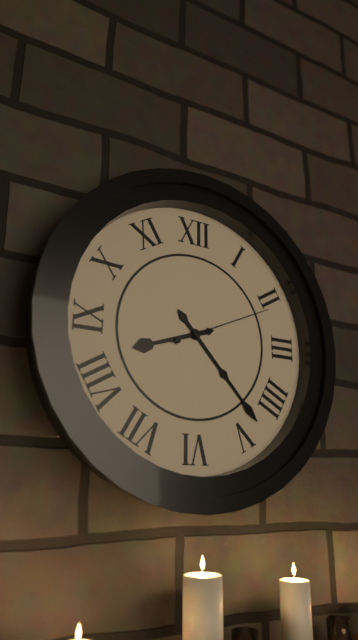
**8:23:11**
